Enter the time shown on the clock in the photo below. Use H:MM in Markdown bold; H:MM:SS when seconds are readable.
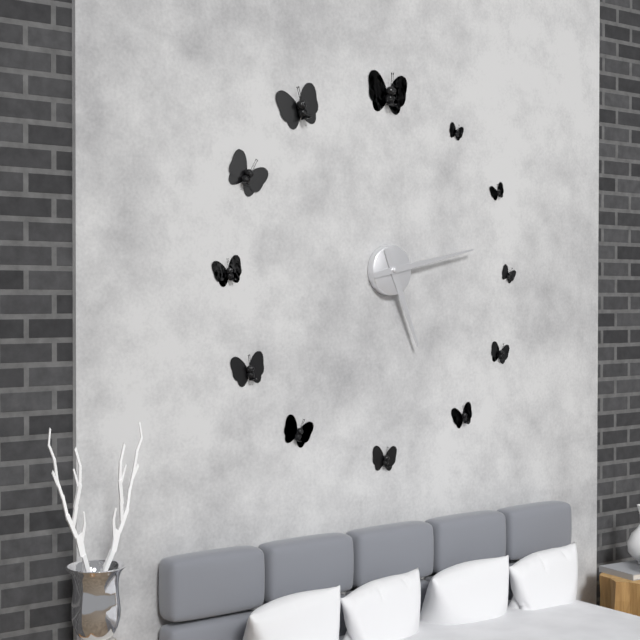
**5:13**
